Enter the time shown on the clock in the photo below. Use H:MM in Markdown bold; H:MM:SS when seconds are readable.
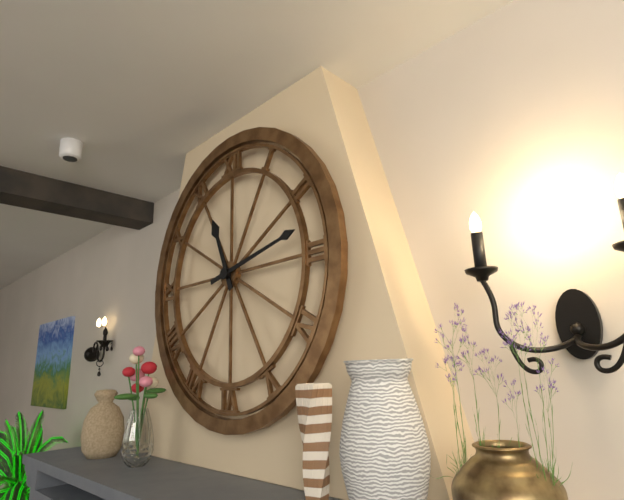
**11:13**
